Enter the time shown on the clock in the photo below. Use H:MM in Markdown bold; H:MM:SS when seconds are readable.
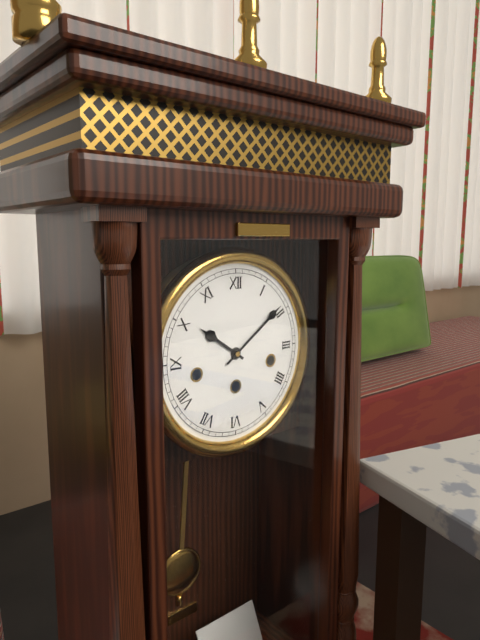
**10:09**
